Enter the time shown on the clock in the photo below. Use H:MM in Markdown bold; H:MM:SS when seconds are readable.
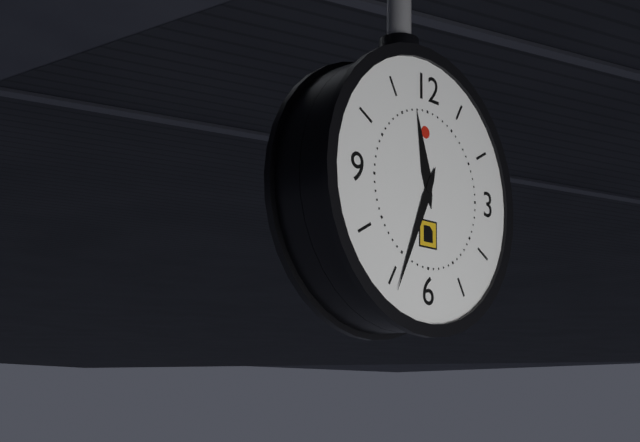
**11:34**
